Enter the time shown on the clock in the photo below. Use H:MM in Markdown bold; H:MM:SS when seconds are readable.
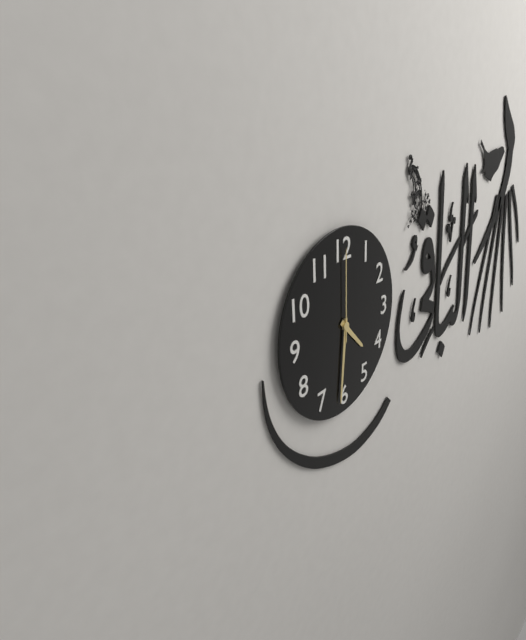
**4:31:00**
